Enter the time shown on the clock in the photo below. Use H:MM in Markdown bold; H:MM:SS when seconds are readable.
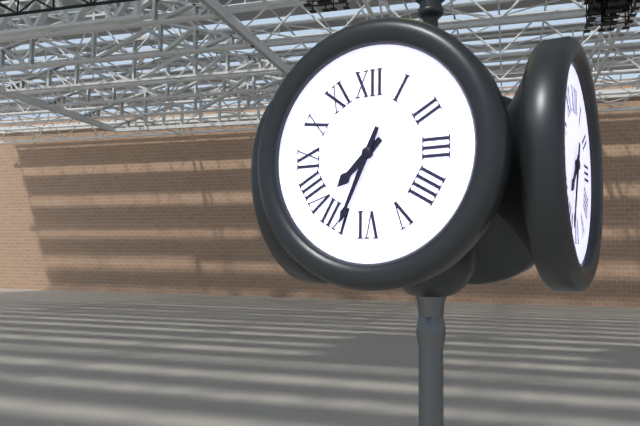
**7:34**
